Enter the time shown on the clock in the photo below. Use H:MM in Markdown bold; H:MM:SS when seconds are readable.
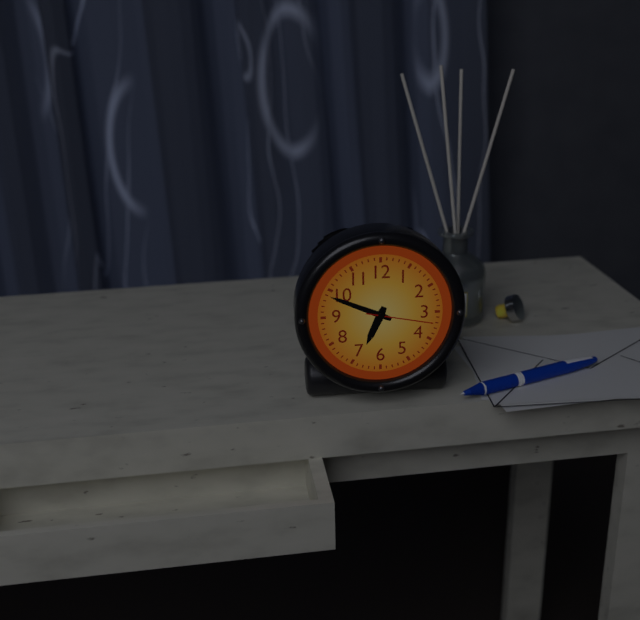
**6:49:17**
